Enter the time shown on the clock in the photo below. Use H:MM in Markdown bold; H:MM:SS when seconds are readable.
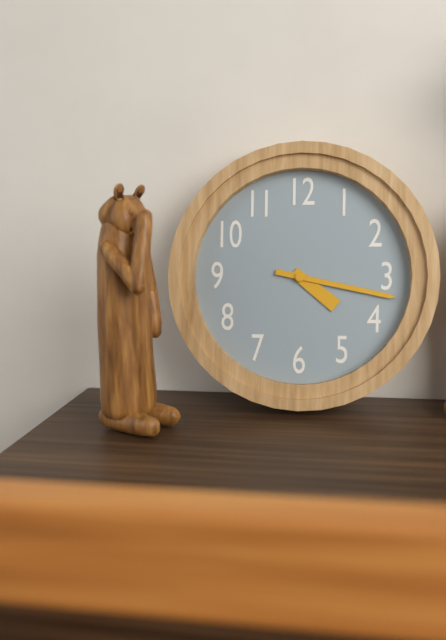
**4:17**
